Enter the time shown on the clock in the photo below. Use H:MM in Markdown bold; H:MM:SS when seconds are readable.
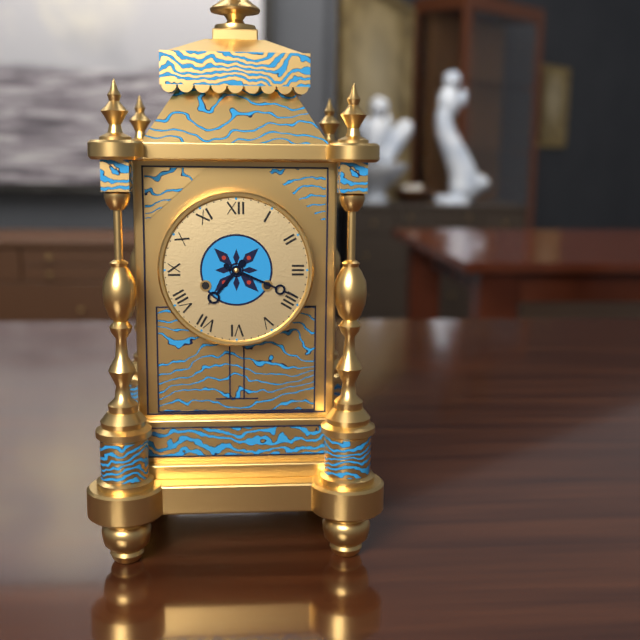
**7:19**
